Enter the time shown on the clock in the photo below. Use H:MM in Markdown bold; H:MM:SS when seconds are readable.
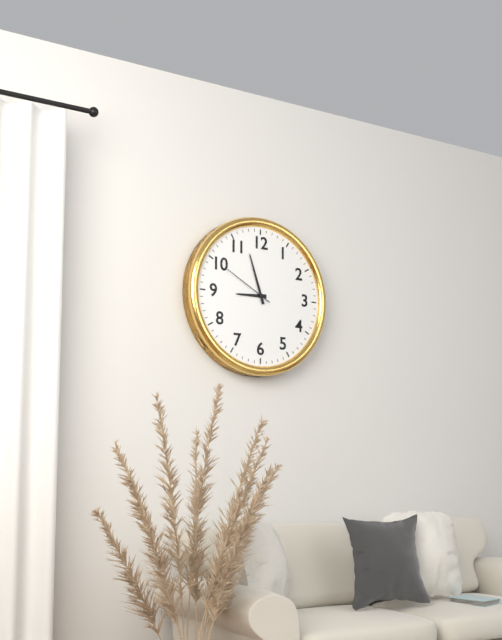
**8:57:50**
